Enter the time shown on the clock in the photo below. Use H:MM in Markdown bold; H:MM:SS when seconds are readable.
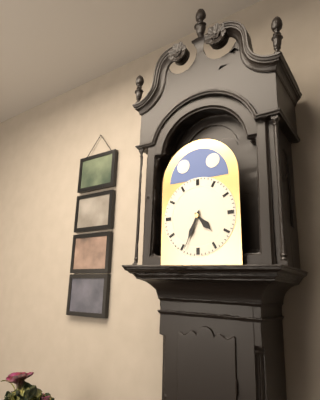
**4:34**
